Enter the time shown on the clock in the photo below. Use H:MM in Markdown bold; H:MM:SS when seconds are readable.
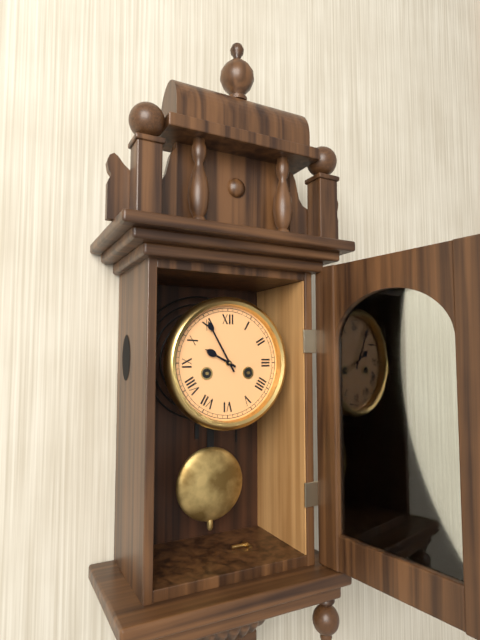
**9:55**
